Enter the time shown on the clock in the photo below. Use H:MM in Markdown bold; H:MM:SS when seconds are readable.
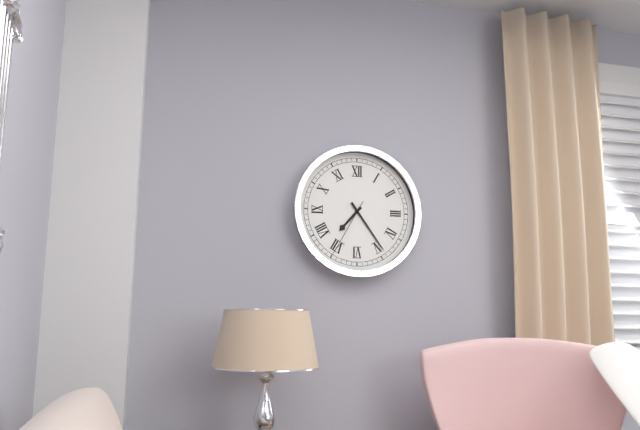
**7:24:35**
